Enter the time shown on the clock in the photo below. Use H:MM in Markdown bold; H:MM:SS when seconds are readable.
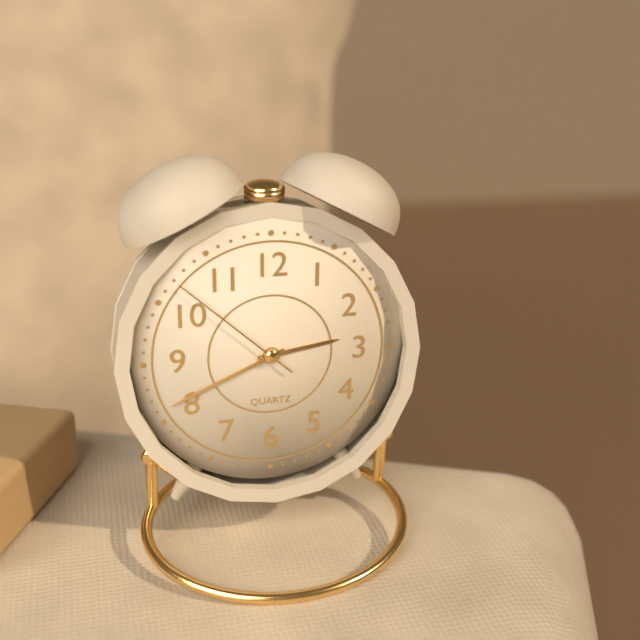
**2:41:52**
